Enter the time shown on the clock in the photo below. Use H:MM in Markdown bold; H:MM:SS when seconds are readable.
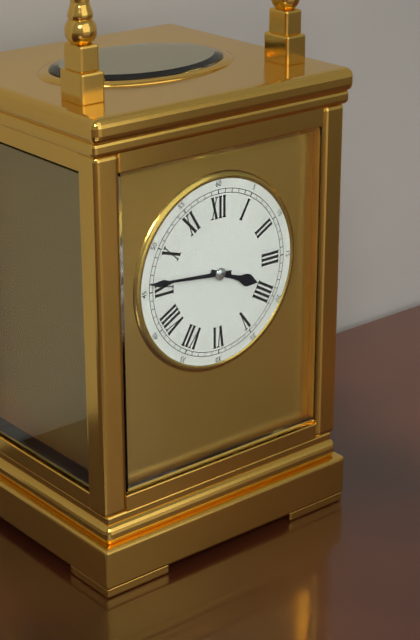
**3:46**
